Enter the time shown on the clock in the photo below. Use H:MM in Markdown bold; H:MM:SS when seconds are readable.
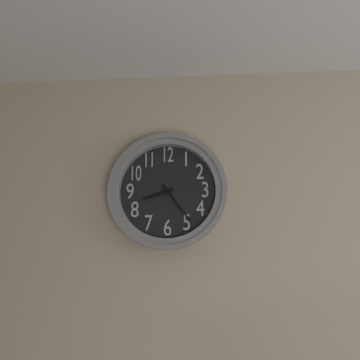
**8:24**
